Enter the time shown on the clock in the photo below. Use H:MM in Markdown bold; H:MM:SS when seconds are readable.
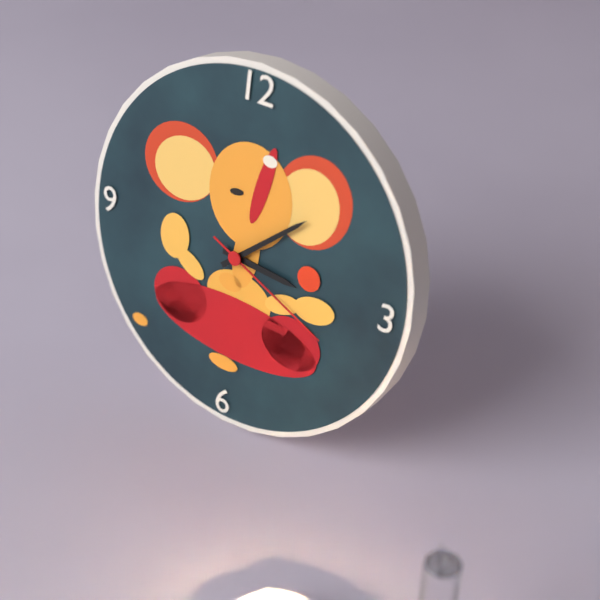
**3:08:19**
